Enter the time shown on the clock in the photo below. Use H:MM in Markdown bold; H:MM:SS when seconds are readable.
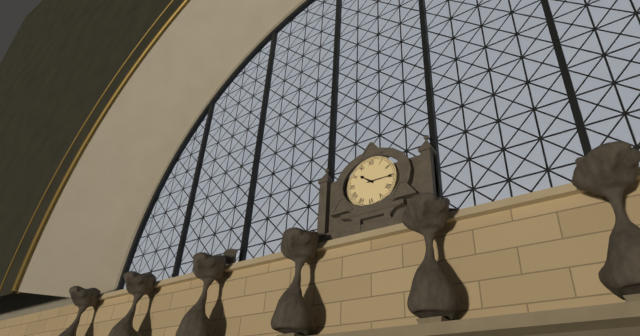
**10:15**
